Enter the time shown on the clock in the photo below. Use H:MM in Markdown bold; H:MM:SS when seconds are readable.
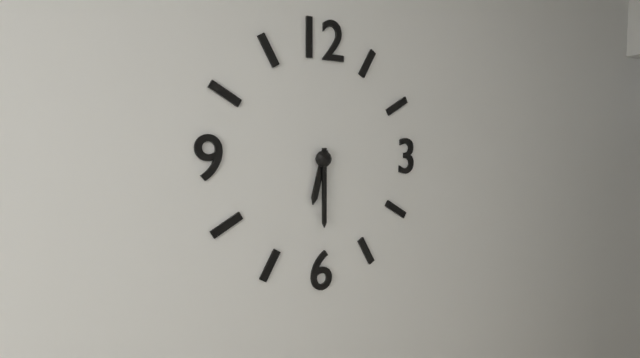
**6:30**
